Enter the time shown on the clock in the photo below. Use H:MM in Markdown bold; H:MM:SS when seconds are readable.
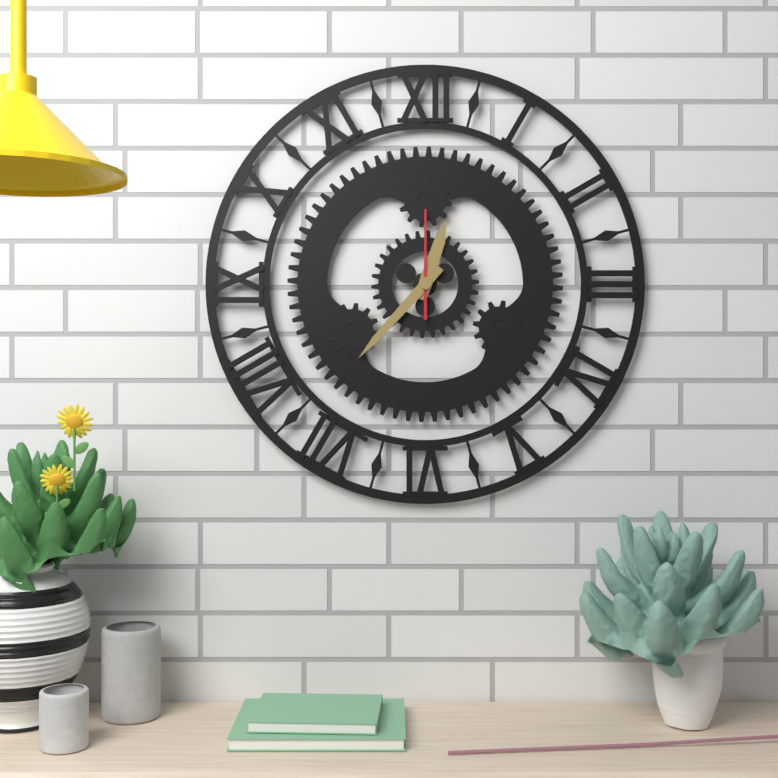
**12:37:00**
